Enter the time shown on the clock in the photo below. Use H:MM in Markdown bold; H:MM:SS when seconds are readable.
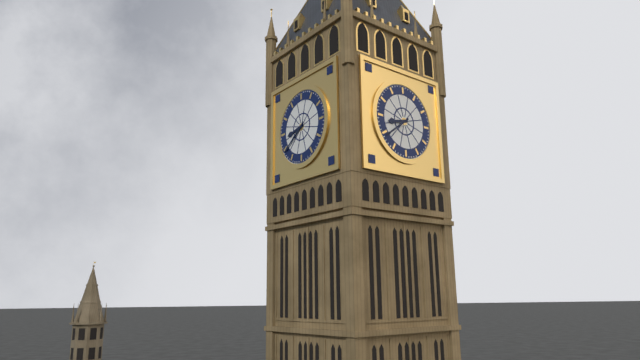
**8:39**
